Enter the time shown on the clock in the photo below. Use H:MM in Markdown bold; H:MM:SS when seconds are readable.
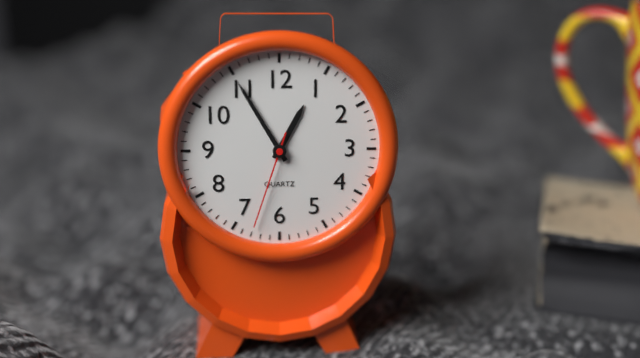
**12:55:33**
